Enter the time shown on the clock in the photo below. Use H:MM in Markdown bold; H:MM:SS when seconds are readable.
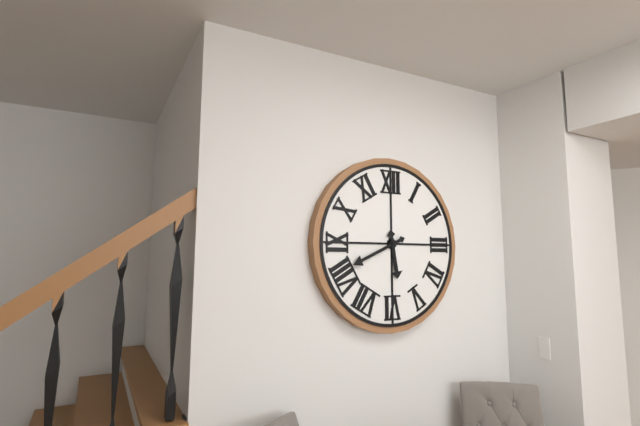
**5:41**
